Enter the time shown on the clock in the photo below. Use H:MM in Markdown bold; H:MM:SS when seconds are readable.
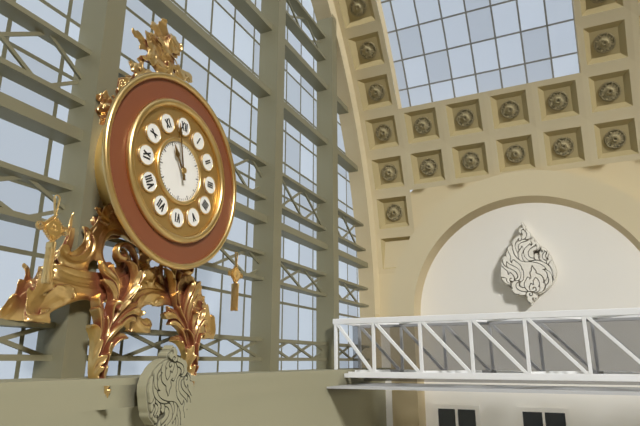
**10:58**
